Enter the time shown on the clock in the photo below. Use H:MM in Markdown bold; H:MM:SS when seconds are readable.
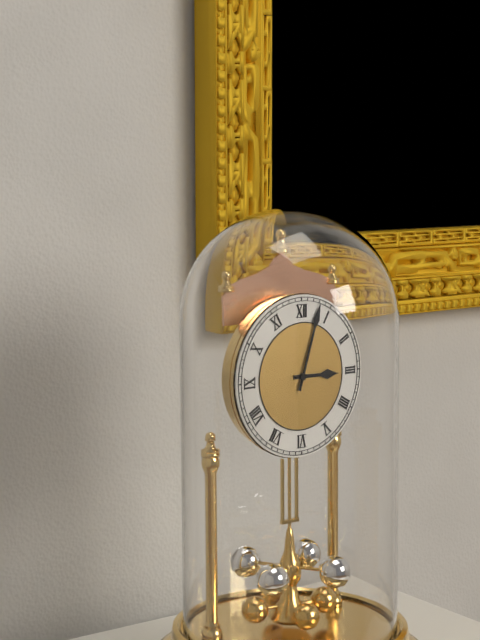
**3:03**
